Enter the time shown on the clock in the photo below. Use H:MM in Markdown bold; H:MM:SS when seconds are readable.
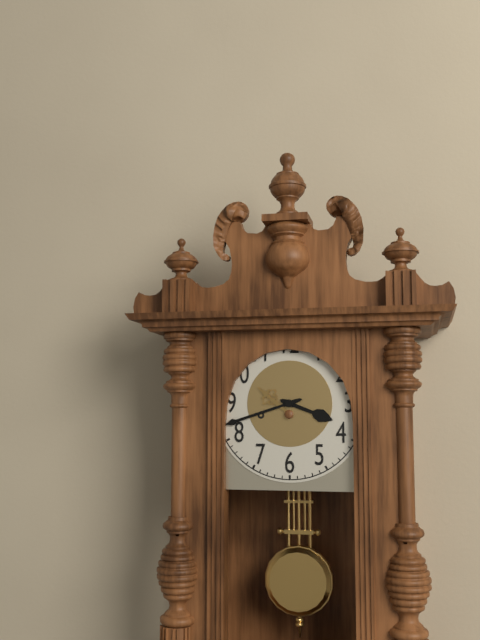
**3:42**
